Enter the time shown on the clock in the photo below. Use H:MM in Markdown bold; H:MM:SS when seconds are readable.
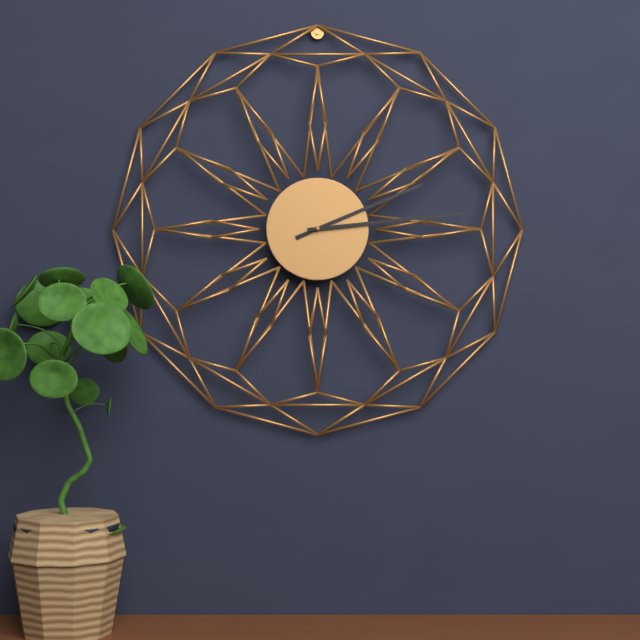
**2:14**
